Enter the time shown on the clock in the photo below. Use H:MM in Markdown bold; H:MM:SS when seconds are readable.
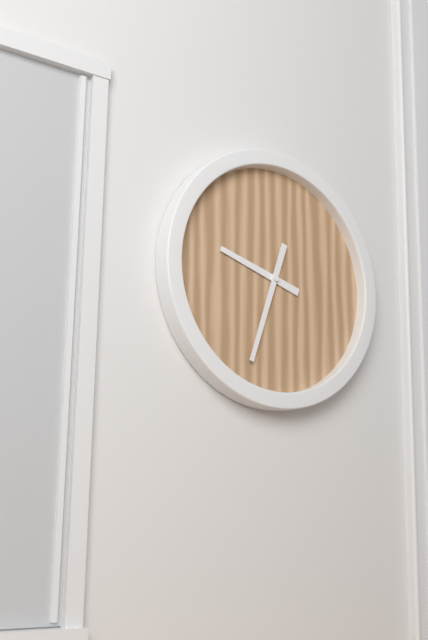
**9:33**
